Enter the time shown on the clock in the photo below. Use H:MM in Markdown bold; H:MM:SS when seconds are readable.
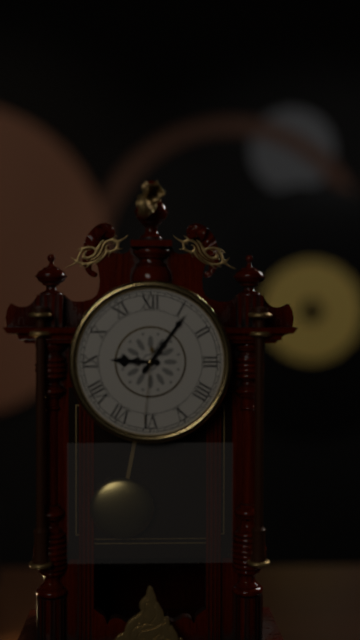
**9:06:31**
